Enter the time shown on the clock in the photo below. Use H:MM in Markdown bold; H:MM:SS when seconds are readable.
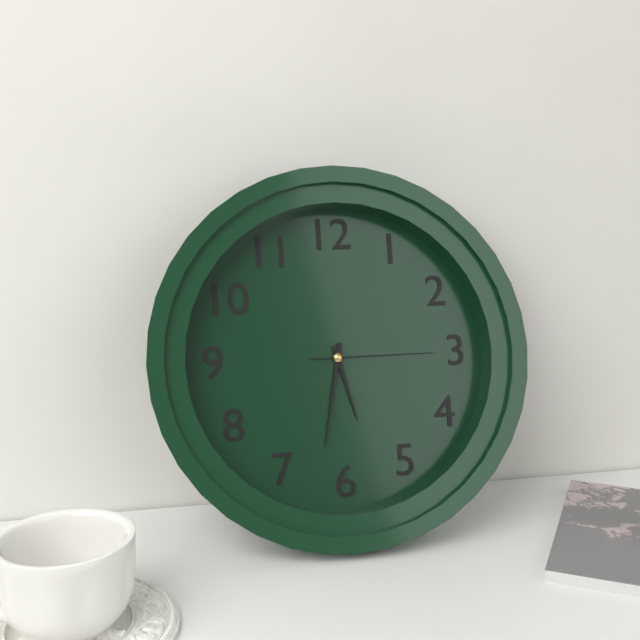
**5:32:15**
